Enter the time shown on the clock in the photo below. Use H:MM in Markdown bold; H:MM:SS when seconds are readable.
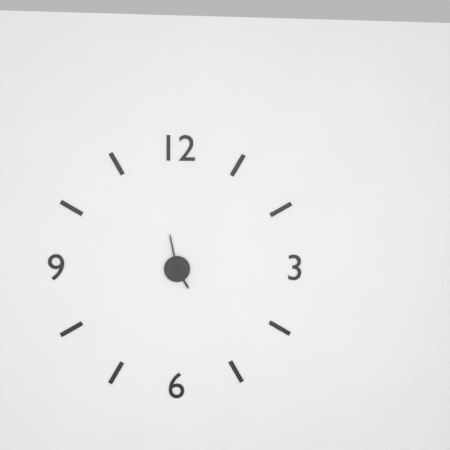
**4:58**
